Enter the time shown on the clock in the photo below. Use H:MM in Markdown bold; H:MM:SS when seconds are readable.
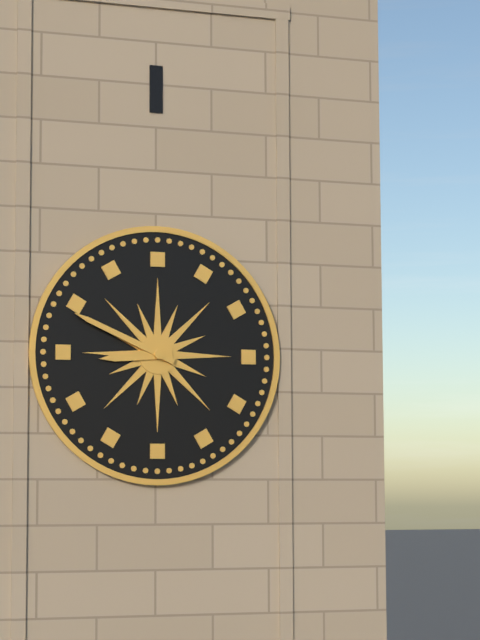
**8:49**
